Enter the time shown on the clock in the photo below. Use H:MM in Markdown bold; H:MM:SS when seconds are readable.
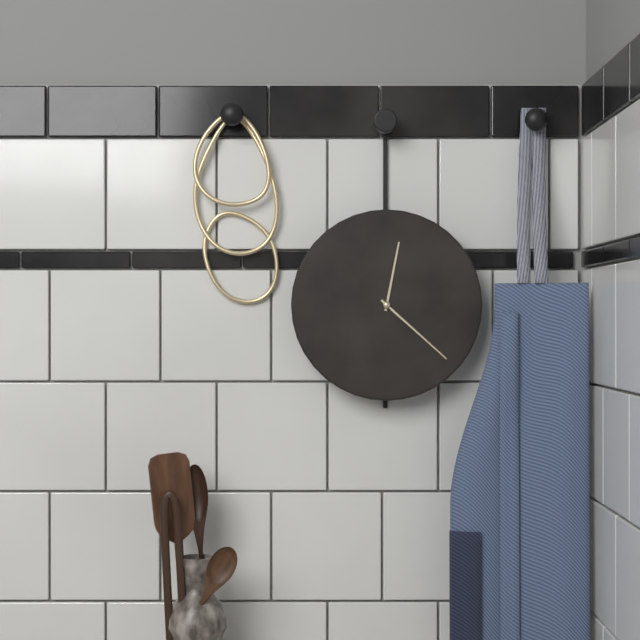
**12:22**
